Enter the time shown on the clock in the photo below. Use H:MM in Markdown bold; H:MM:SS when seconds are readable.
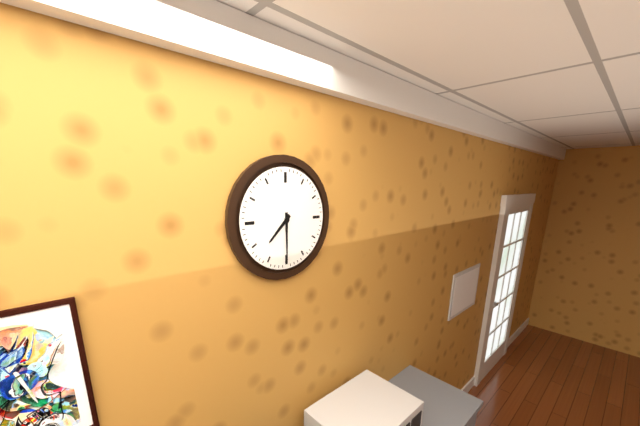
**7:30**
